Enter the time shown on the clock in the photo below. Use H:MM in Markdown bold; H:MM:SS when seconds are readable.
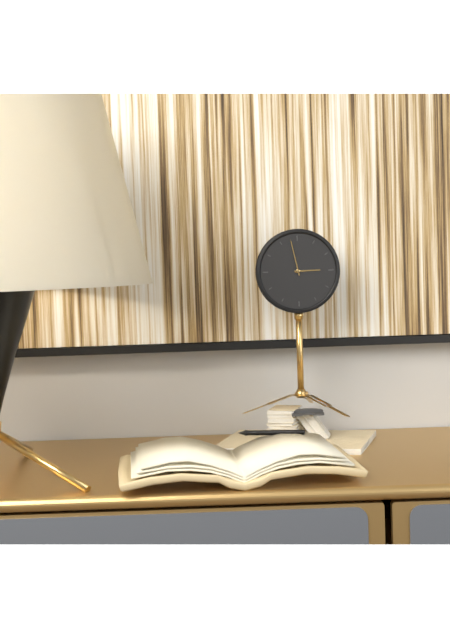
**2:58**
